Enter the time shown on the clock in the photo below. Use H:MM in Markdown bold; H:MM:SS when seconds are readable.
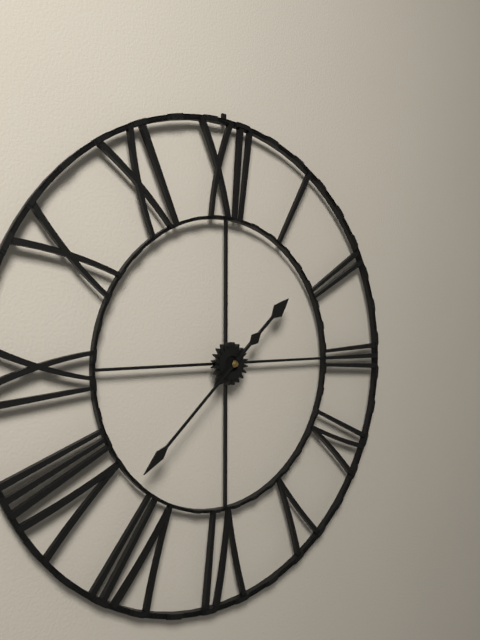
**1:38**
